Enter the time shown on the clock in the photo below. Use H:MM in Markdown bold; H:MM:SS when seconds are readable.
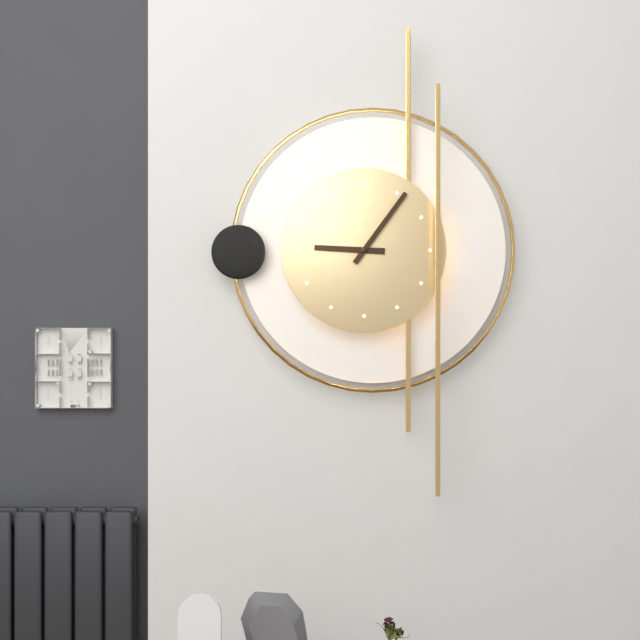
**9:06**
